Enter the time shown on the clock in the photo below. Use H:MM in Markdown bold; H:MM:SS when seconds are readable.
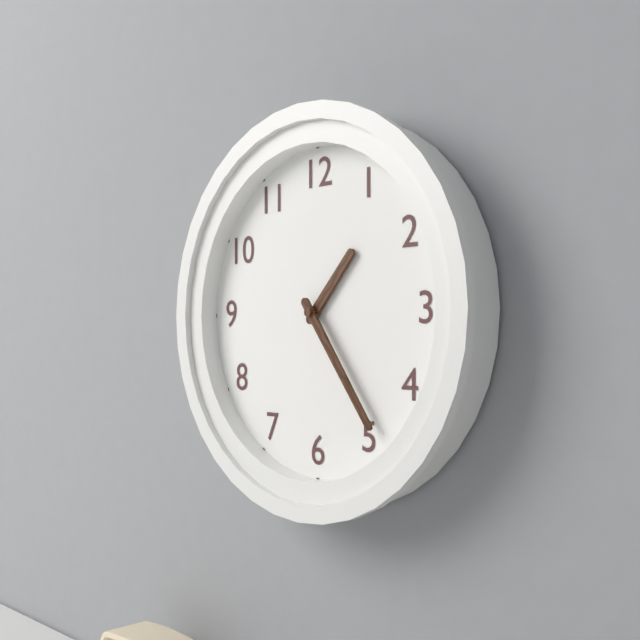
**1:24**
